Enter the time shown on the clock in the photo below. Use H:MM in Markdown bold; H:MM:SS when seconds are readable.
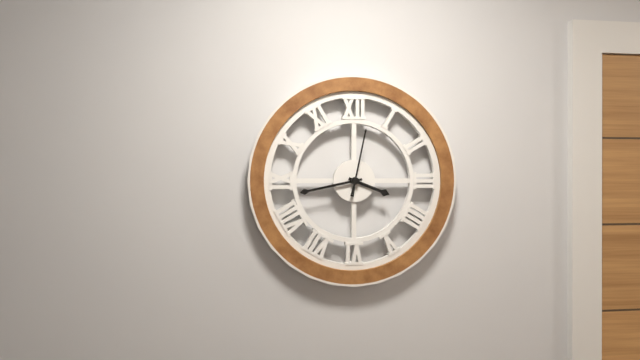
**3:43:02**
